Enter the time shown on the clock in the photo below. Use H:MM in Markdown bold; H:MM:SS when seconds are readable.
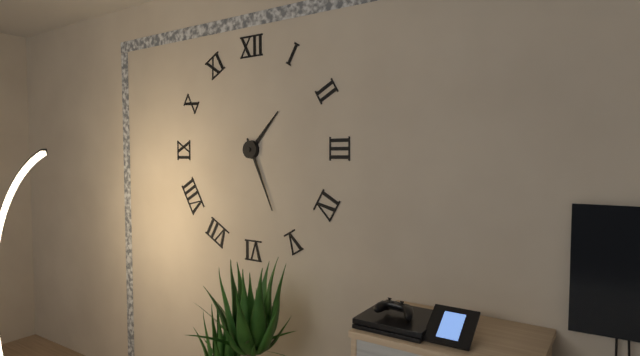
**1:26**
